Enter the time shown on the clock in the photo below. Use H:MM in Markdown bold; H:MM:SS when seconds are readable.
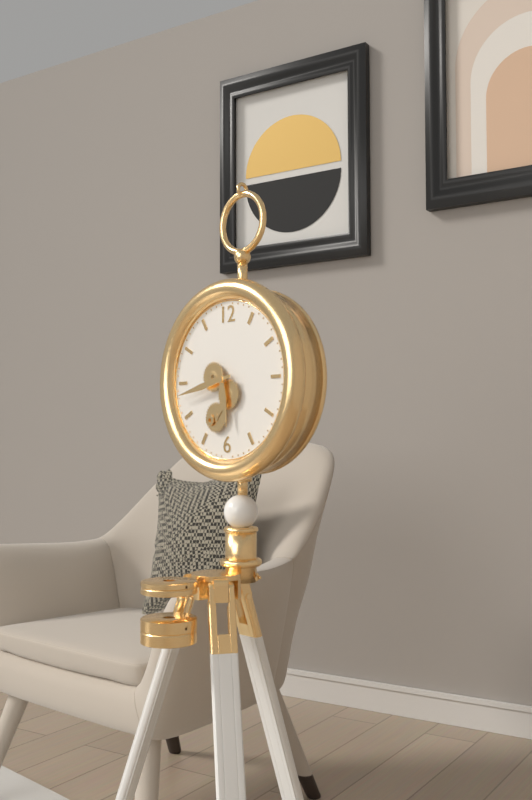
**5:43**
